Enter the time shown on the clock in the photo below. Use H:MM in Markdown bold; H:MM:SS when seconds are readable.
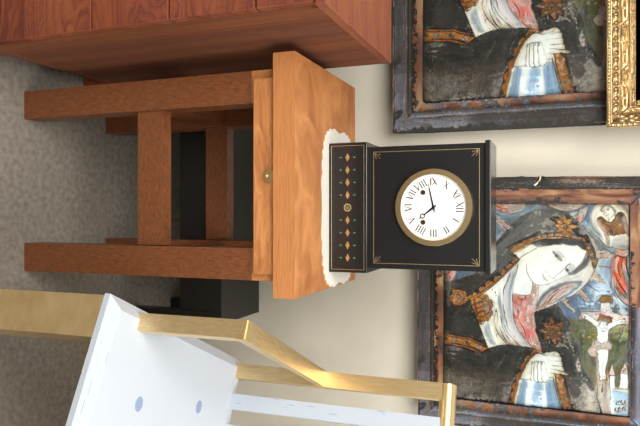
**4:43**
